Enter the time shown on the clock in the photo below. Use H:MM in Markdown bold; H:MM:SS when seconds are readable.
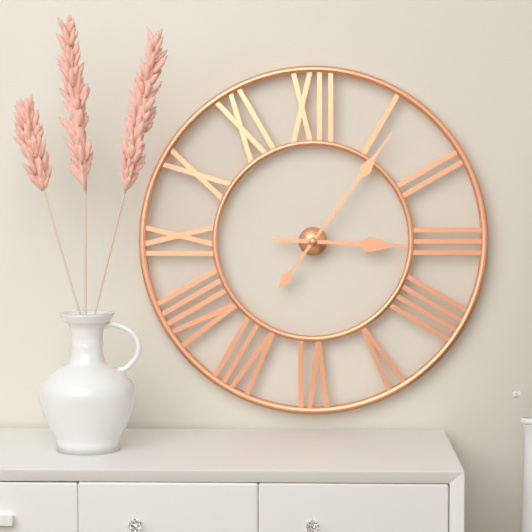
**3:06**
